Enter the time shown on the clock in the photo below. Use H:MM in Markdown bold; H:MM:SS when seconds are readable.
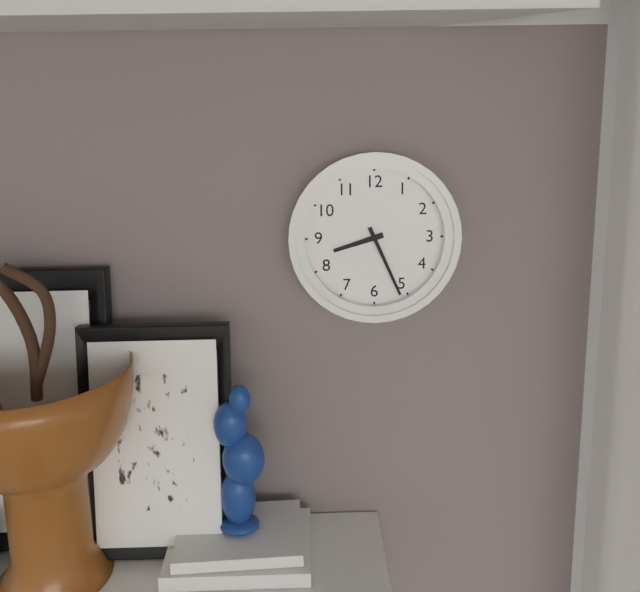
**8:26**
